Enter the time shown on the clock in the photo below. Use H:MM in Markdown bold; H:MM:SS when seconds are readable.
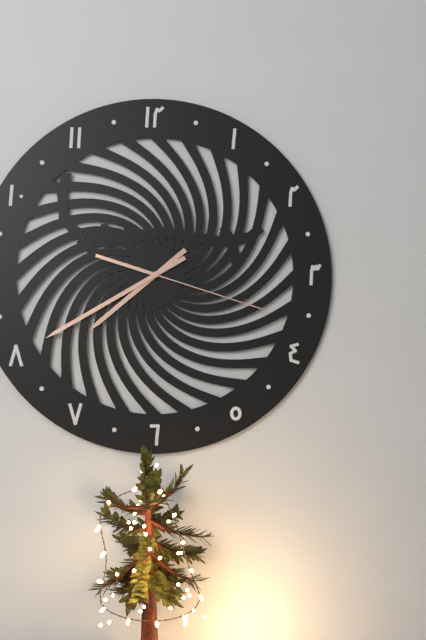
**7:40:18**
